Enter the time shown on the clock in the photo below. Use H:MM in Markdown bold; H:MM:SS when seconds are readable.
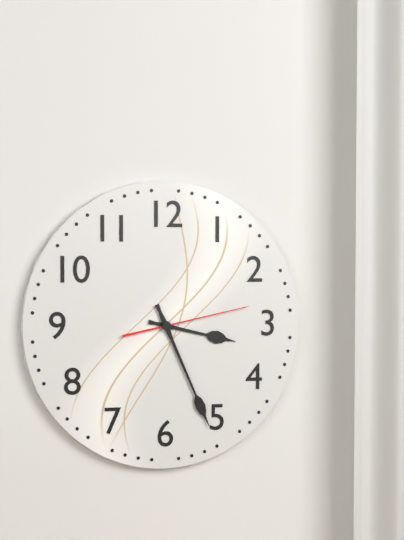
**3:26:13**
